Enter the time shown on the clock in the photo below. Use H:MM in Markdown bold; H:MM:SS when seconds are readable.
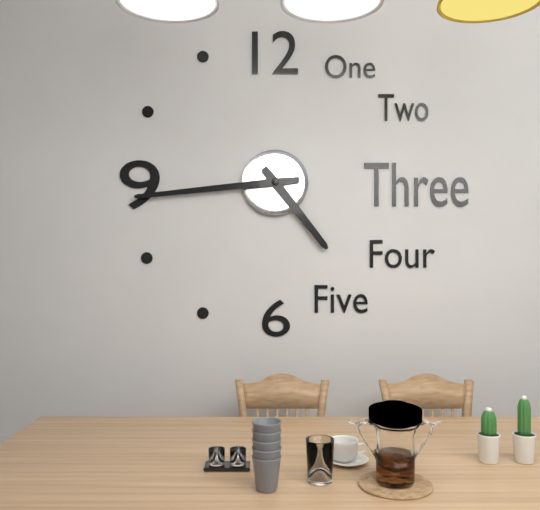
**4:44**
